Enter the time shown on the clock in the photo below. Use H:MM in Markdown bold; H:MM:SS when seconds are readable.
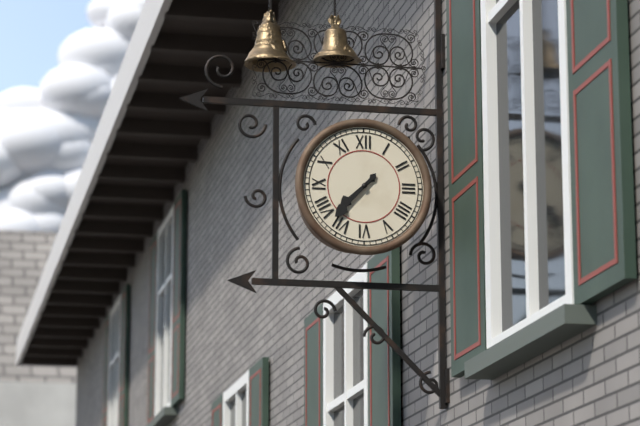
**7:37**
